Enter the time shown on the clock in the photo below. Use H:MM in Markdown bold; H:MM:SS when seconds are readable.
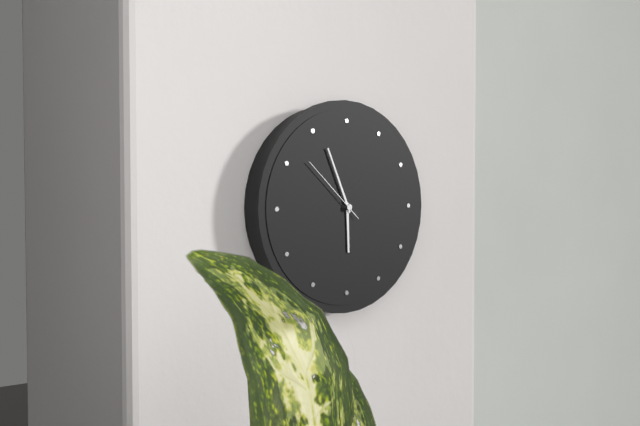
**5:56:52**
